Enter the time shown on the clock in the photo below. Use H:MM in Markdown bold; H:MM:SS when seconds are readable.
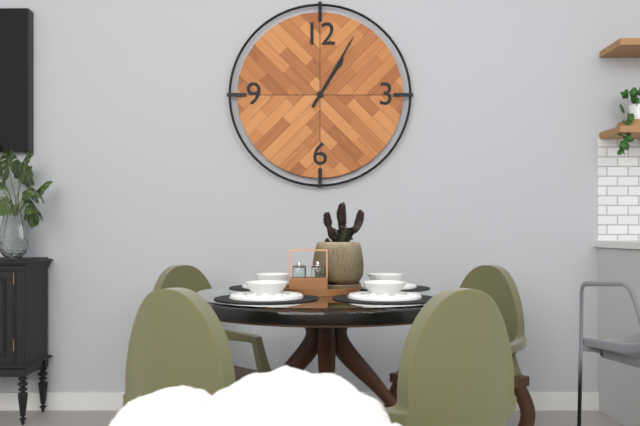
**1:05**
